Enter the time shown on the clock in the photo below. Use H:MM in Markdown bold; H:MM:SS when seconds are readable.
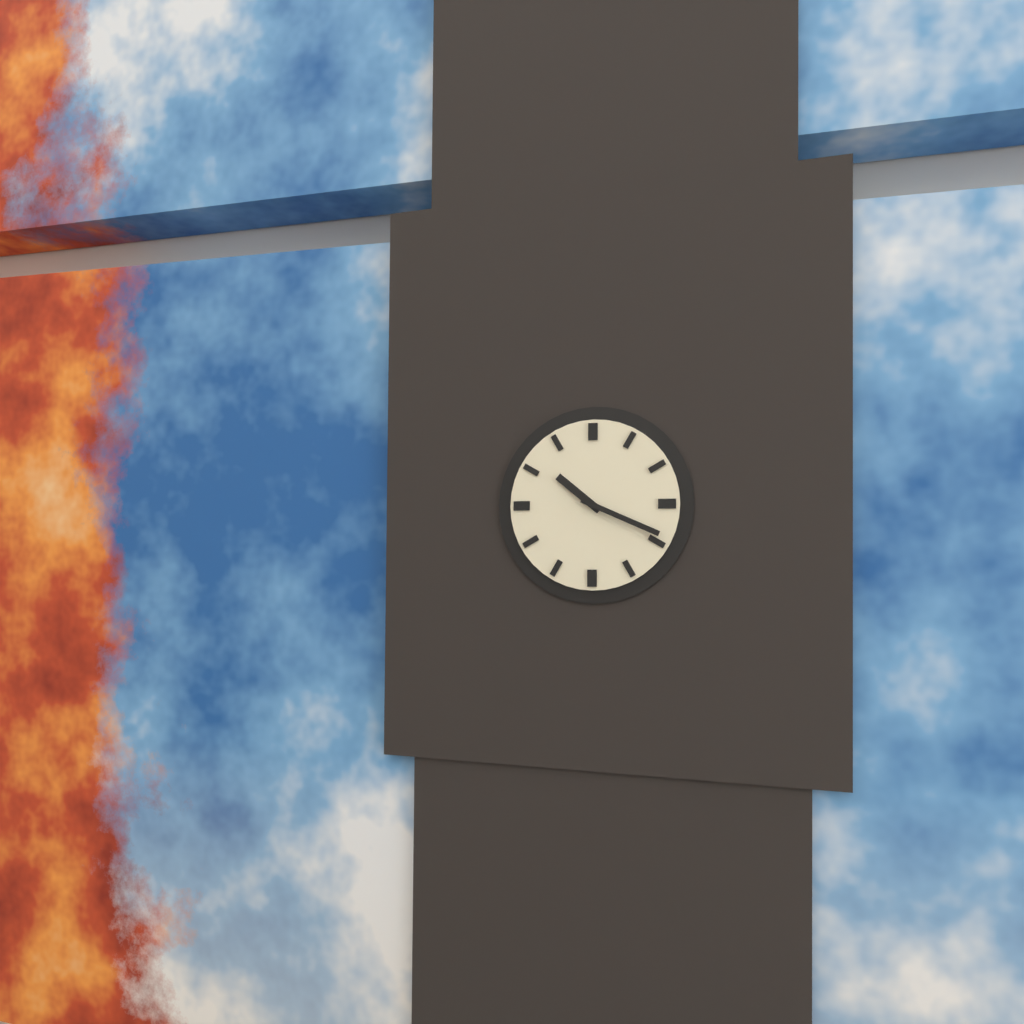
**10:19**
